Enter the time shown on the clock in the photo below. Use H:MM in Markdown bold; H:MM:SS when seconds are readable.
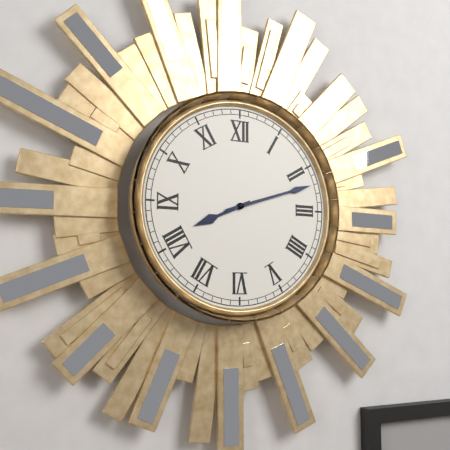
**8:12**
